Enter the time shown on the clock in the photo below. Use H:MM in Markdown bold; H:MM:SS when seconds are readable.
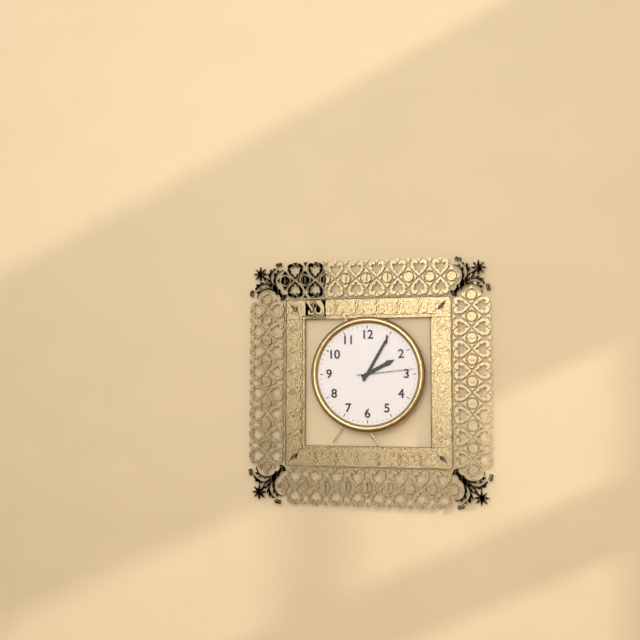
**2:05:14**
